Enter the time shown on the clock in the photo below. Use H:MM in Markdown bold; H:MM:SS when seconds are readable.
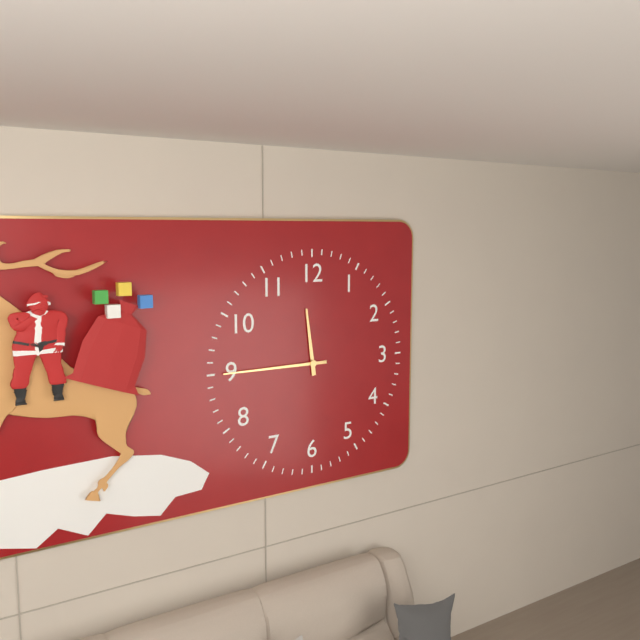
**11:45**
